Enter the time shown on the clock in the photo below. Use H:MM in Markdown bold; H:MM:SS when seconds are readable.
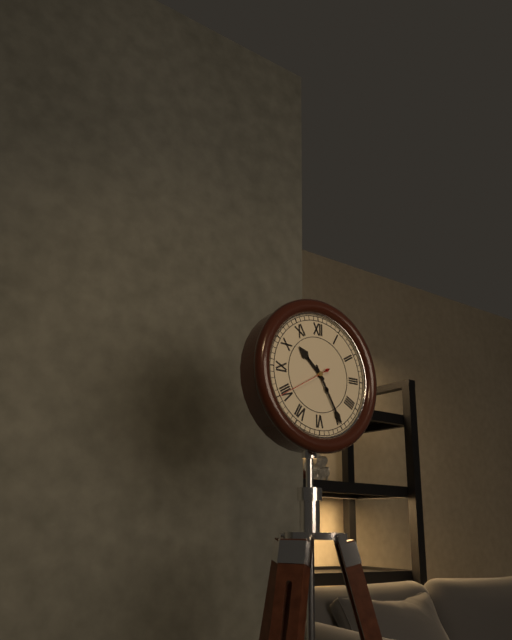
**10:25**
